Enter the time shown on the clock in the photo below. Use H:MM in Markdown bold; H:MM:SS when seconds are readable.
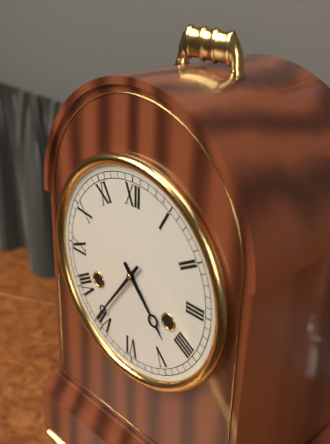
**4:36**
